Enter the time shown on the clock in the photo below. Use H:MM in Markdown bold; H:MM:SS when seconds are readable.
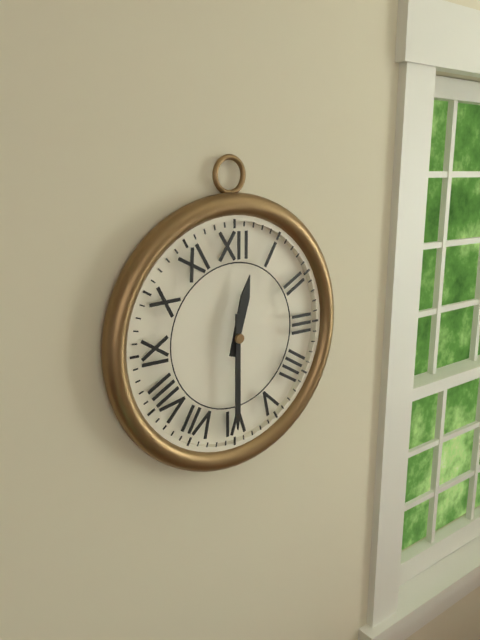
**12:30**
